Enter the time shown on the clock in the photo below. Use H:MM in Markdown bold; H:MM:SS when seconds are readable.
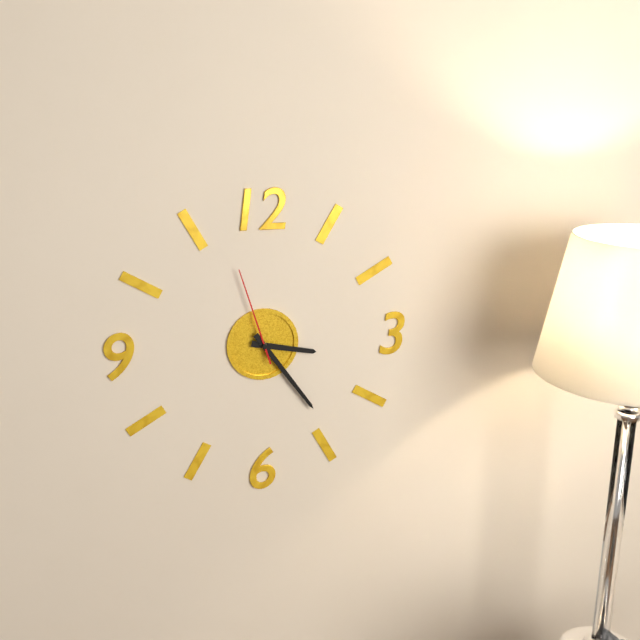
**3:24:57**
